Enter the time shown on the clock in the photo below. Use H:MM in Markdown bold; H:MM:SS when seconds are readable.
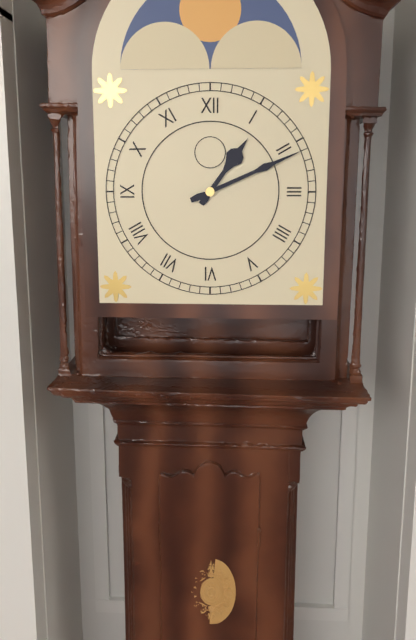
**1:11**
